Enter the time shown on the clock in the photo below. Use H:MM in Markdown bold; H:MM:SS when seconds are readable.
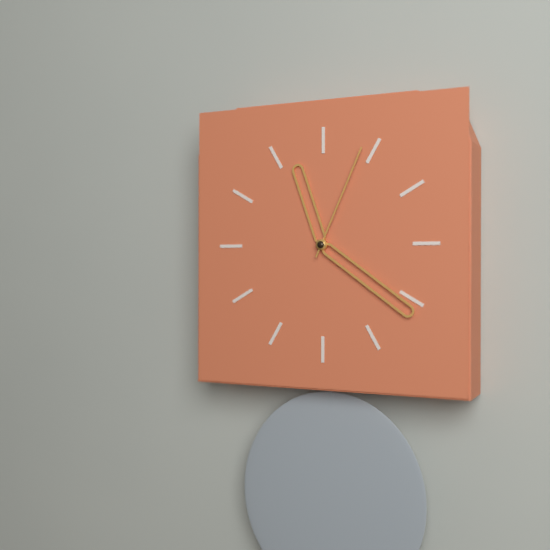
**11:21:04**
